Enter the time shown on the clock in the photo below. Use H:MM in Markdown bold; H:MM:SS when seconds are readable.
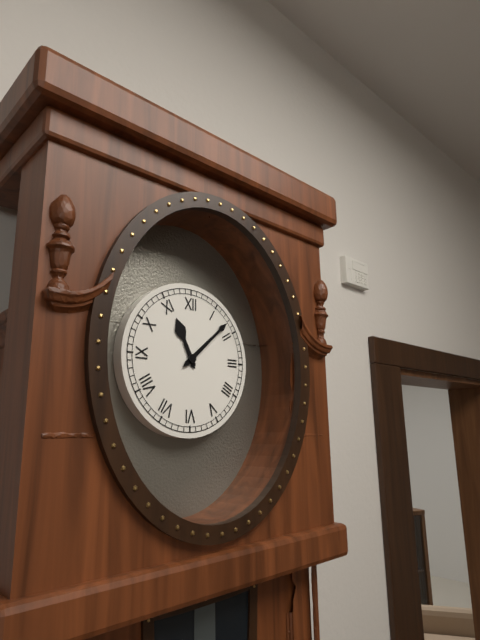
**11:08**
